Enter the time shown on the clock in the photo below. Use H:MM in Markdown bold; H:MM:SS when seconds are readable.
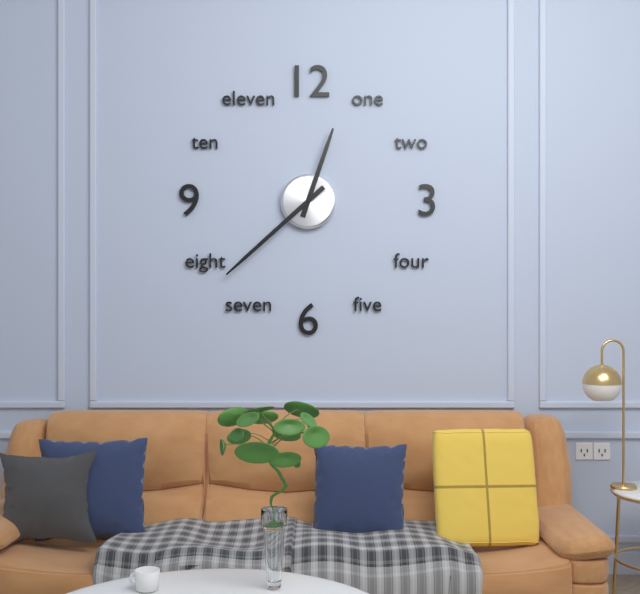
**12:38**
